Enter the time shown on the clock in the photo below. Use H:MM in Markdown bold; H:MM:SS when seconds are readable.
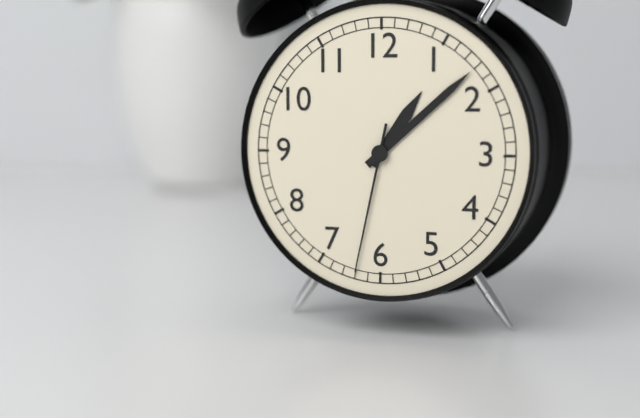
**1:08:32**
